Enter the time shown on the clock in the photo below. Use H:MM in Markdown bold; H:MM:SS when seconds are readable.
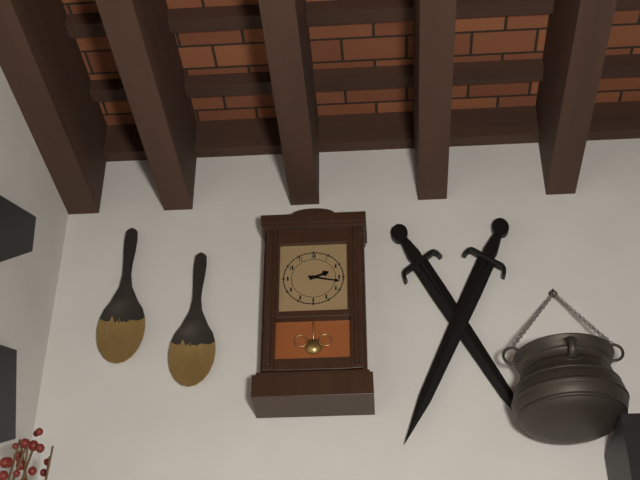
**2:17**
